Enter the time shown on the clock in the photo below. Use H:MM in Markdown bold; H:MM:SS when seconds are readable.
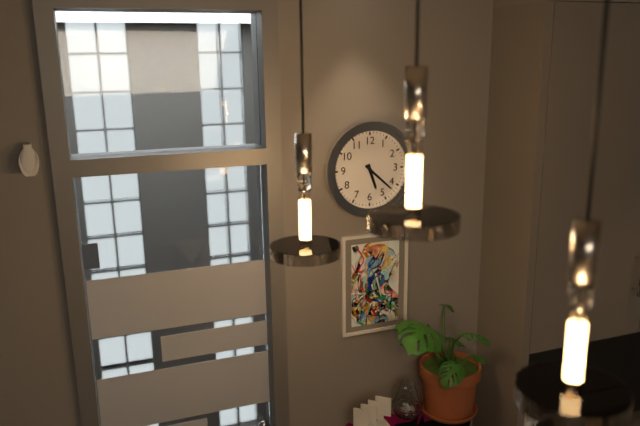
**5:22**
